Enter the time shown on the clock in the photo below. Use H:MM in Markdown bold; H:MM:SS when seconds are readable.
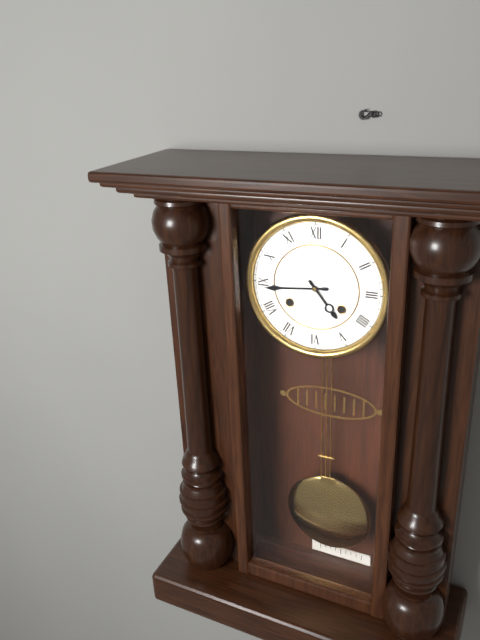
**4:44**
